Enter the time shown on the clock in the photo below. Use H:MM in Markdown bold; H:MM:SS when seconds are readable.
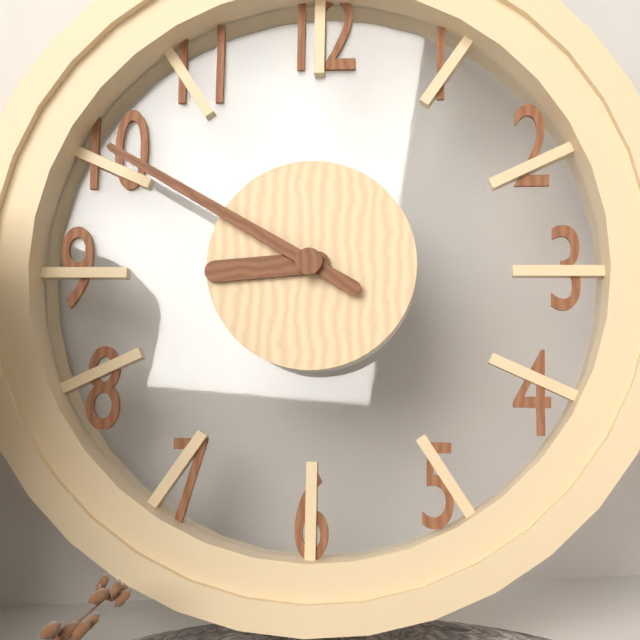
**8:50**
